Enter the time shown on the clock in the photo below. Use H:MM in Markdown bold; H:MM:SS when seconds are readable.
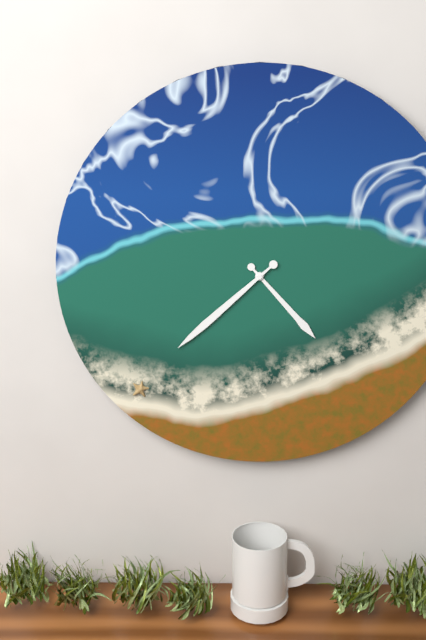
**4:38**
